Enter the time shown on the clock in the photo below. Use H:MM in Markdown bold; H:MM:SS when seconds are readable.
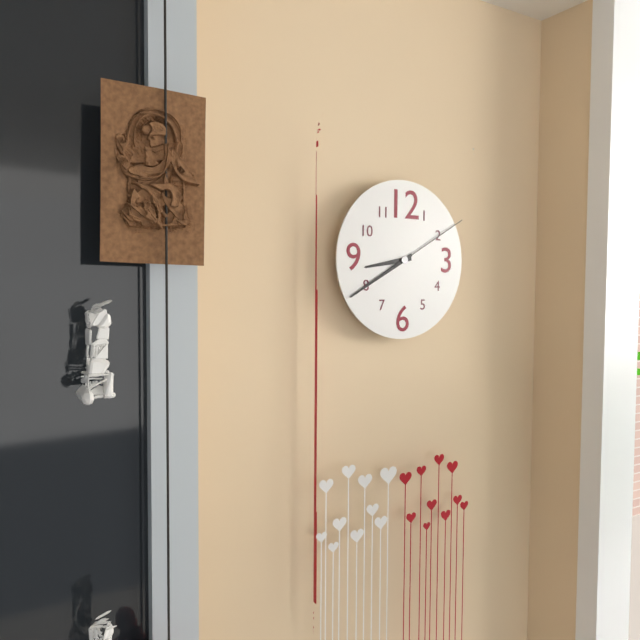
**8:40:10**
